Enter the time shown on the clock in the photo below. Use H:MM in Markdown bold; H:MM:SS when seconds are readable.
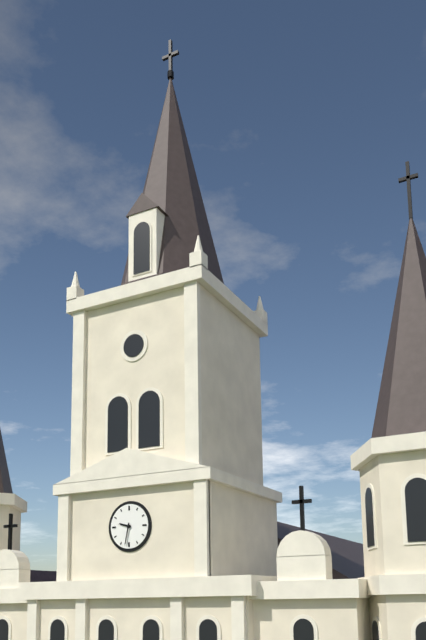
**9:32**
